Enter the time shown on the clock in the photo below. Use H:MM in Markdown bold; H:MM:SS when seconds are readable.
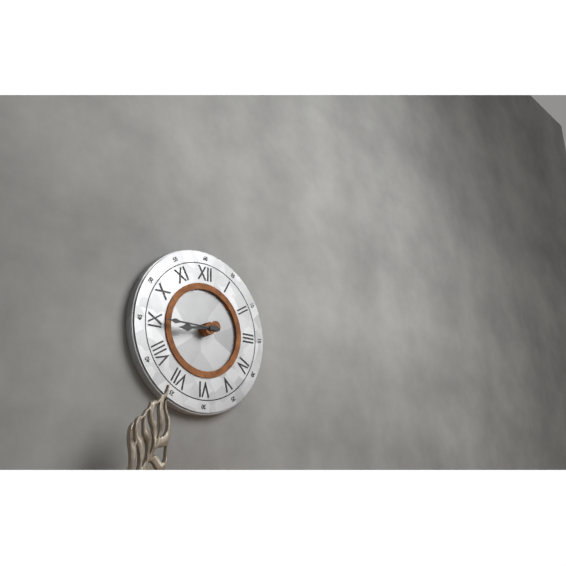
**8:45**
